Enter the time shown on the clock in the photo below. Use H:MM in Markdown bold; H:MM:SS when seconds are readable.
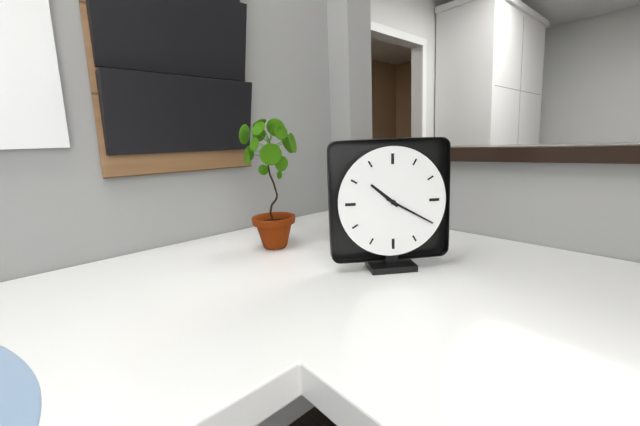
**10:20**
